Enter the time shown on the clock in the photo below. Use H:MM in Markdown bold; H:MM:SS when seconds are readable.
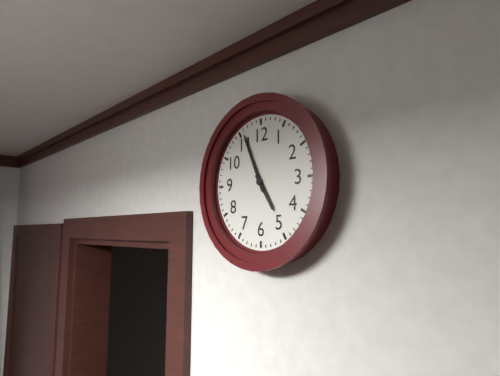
**4:56**
